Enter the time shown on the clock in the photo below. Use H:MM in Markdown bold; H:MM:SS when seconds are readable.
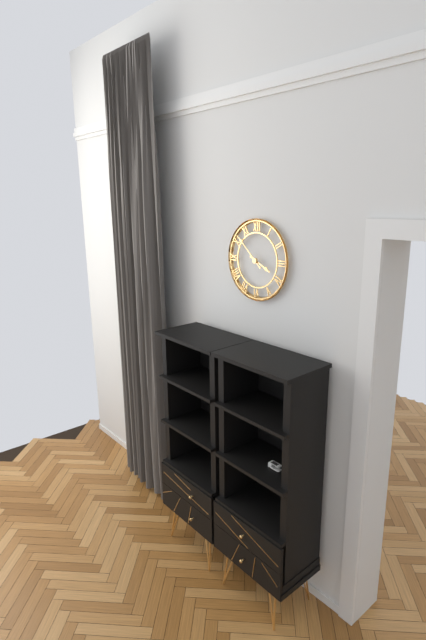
**3:52**
